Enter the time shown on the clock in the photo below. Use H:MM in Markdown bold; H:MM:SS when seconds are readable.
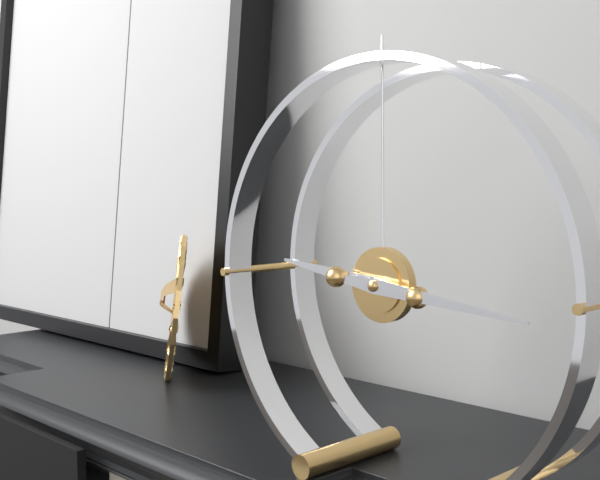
**9:16**
